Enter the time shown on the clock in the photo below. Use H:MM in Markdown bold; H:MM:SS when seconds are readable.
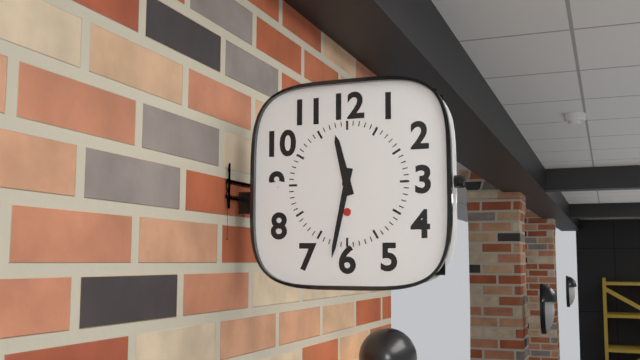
**11:32**
